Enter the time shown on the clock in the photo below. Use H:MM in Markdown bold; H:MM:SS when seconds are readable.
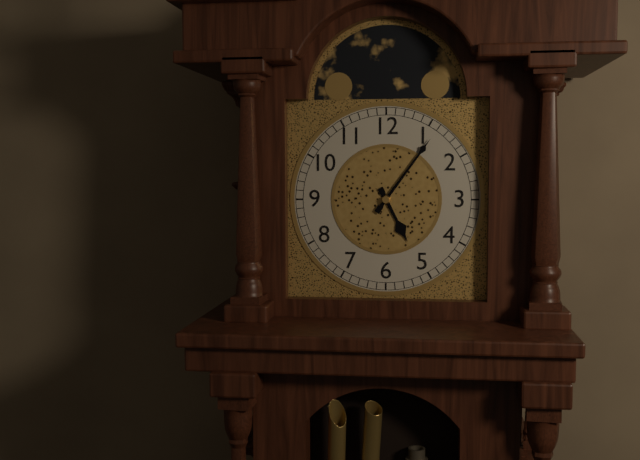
**5:06**
